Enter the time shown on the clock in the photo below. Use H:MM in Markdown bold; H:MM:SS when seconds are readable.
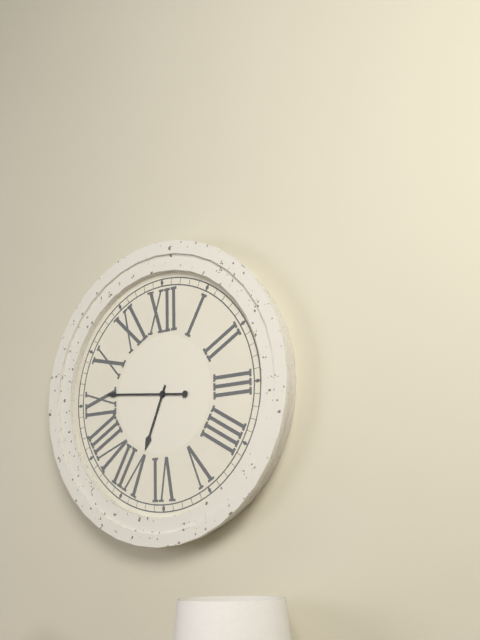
**6:46**
